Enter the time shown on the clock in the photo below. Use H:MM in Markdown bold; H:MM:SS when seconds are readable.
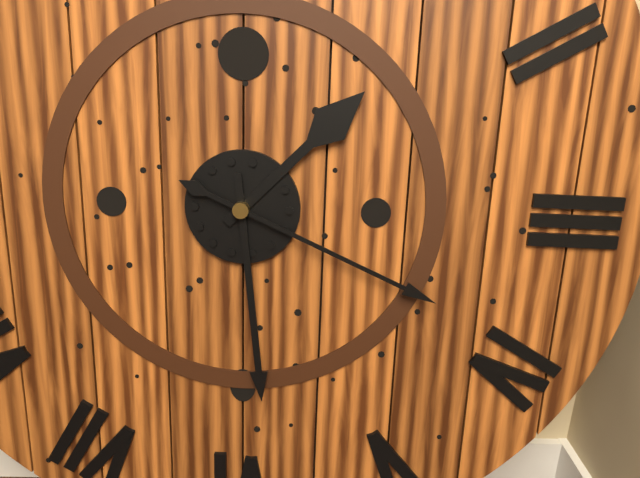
**1:29:19**
